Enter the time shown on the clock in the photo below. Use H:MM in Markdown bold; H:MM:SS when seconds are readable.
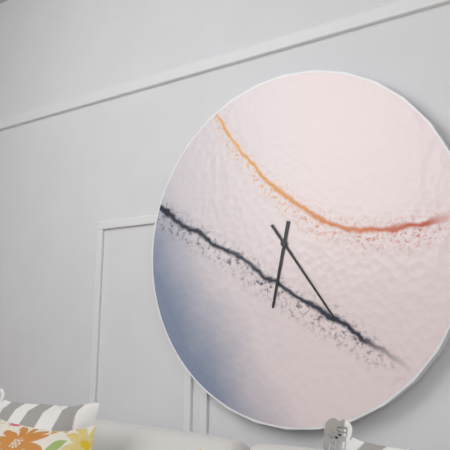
**6:24**
